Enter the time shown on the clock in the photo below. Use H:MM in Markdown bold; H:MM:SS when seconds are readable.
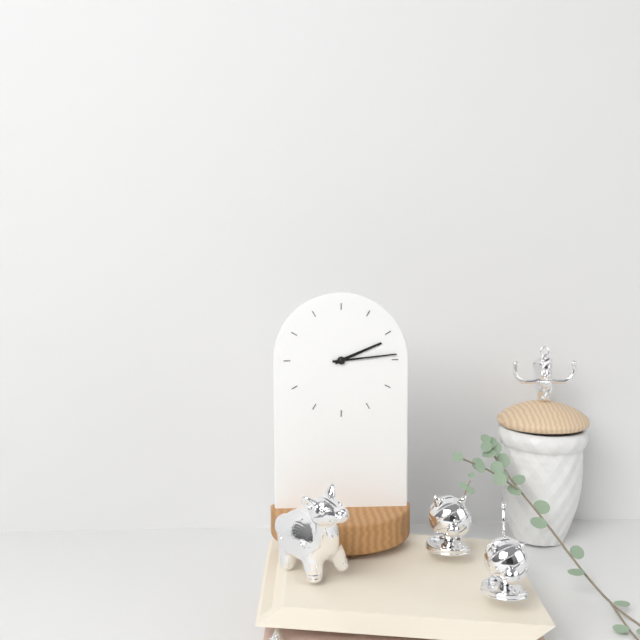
**2:14**
